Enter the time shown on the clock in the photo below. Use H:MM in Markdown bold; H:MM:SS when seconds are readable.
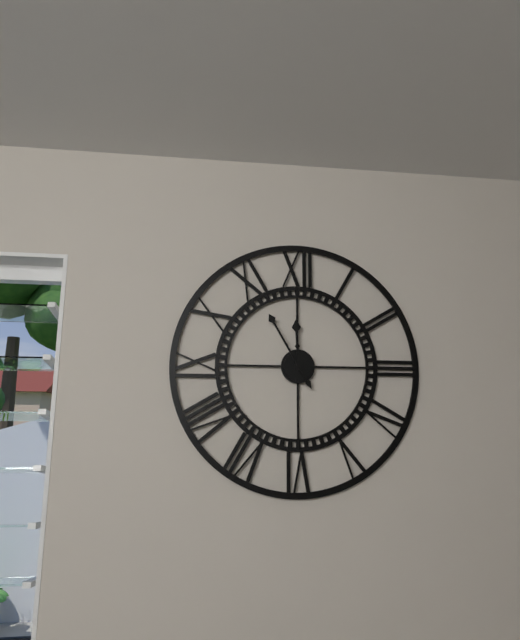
**11:55**
